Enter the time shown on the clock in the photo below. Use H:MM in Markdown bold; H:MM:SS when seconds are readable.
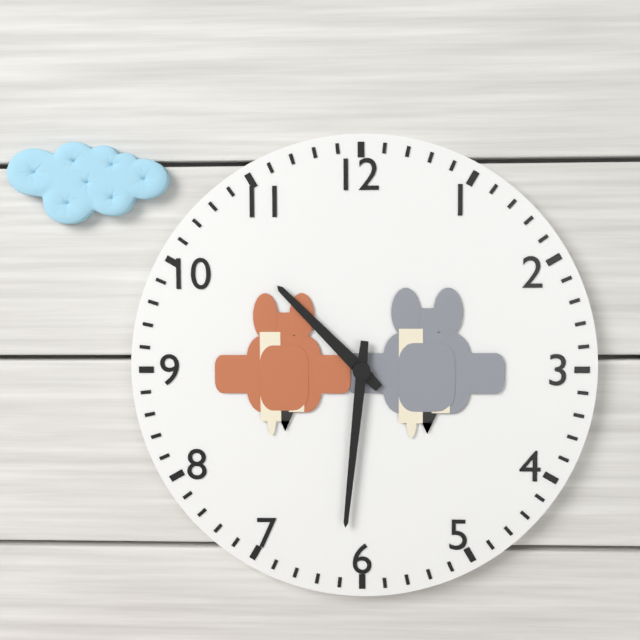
**10:31**
